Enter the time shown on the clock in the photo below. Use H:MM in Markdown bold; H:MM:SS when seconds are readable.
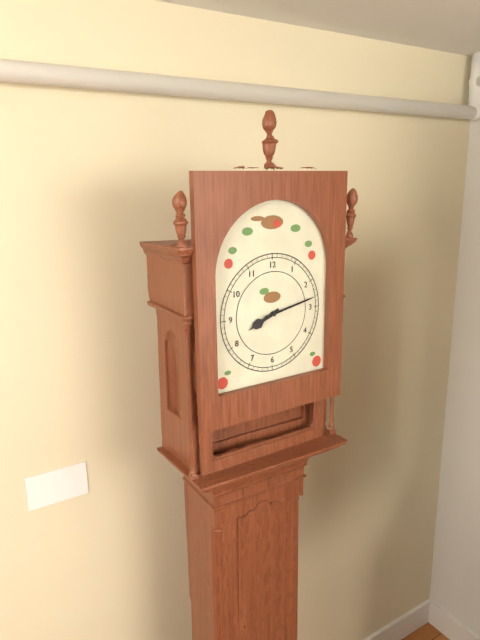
**8:13**
